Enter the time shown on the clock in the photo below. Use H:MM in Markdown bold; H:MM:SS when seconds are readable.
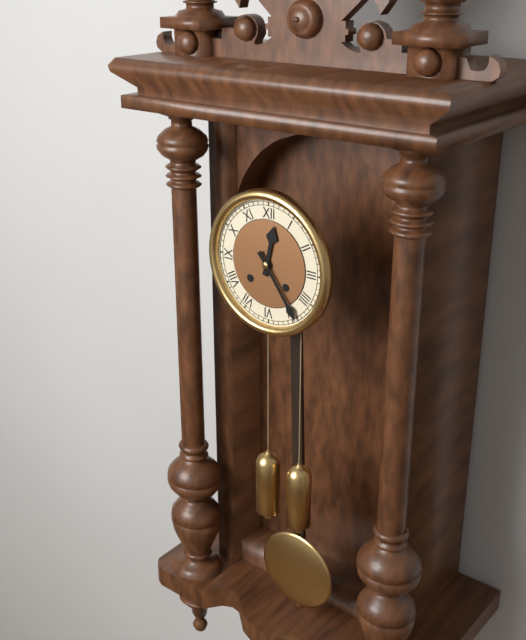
**12:24**
